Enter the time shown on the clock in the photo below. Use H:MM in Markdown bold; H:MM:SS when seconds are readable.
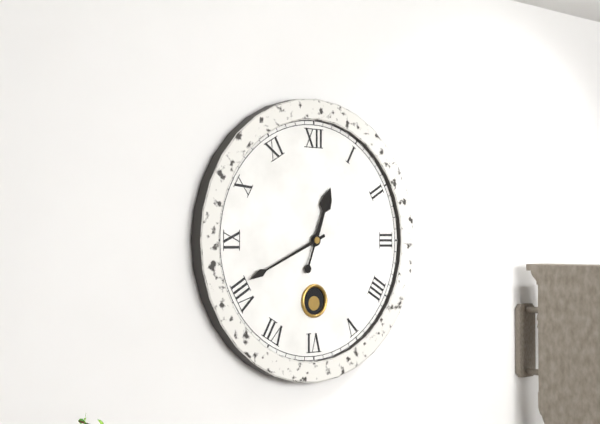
**12:41**
